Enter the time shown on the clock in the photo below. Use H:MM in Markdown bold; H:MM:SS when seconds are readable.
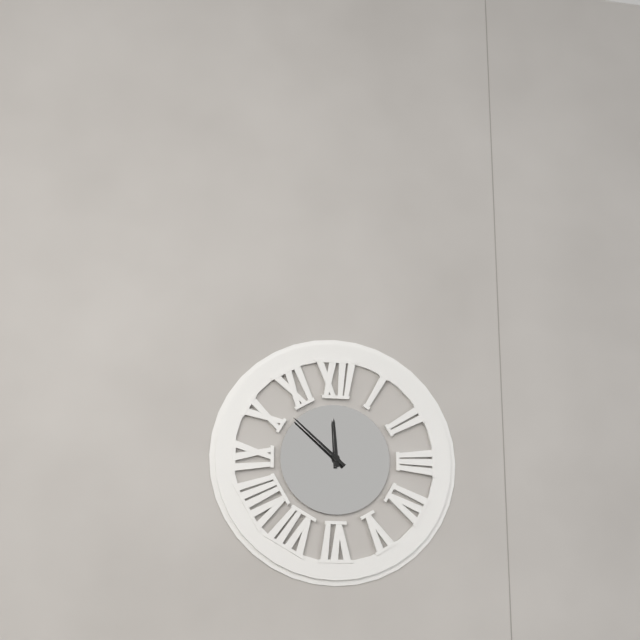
**11:52**
